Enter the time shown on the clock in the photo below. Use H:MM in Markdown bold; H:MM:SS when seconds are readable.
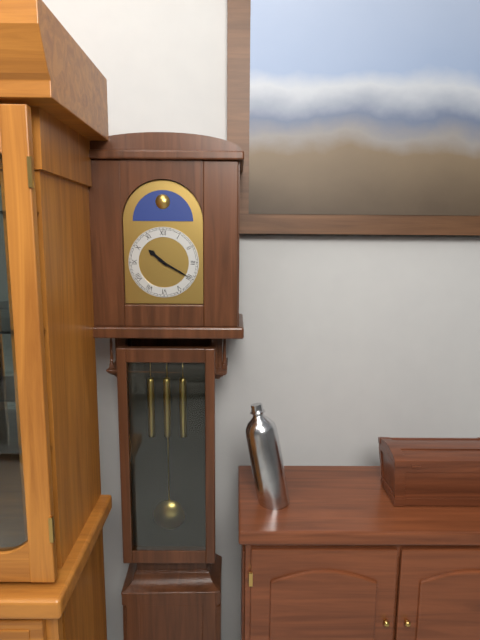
**10:20**
